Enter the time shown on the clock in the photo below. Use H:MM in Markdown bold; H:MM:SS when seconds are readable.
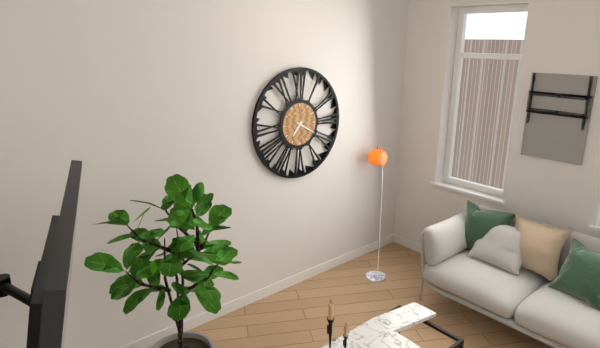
**7:20**
